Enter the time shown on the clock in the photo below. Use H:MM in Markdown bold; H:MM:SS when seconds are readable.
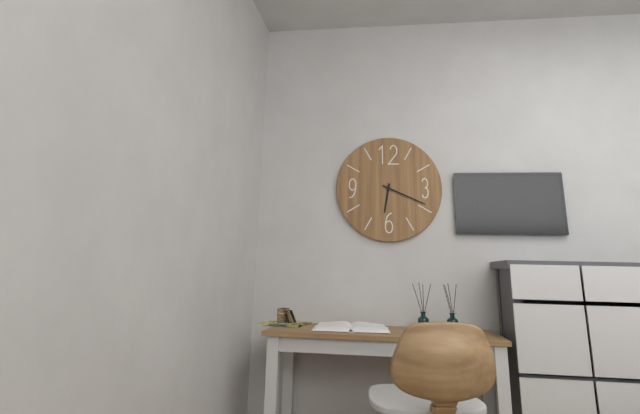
**6:19**
